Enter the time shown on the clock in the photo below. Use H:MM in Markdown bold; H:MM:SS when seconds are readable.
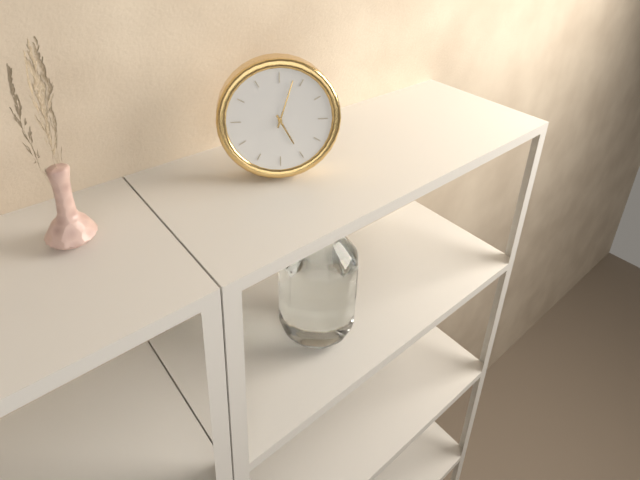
**5:03**
